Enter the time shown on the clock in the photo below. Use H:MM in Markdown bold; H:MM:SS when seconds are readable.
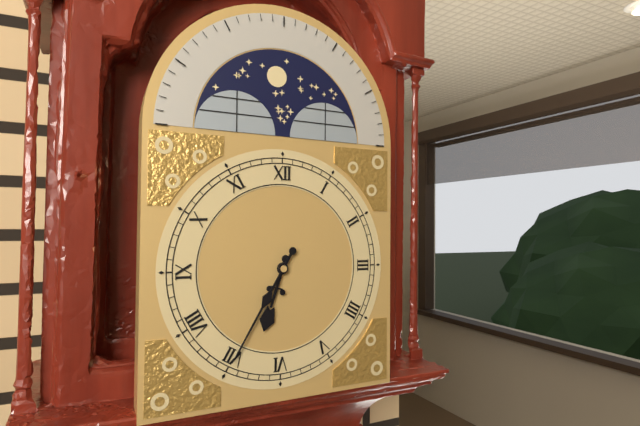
**6:35**
